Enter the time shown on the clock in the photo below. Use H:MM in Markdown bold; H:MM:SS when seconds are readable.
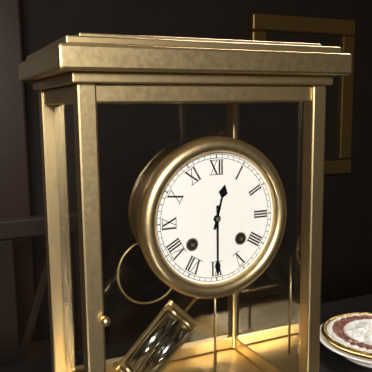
**12:30**
